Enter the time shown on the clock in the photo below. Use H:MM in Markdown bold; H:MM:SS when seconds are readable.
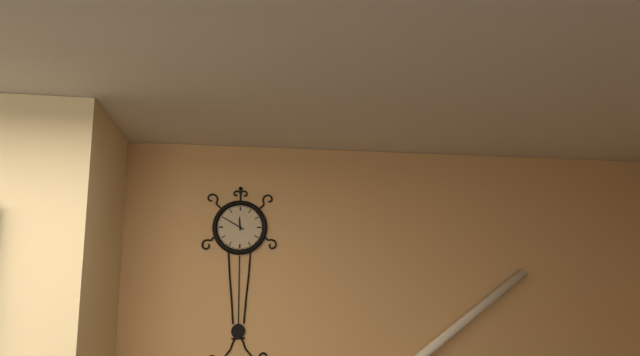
**11:50**
